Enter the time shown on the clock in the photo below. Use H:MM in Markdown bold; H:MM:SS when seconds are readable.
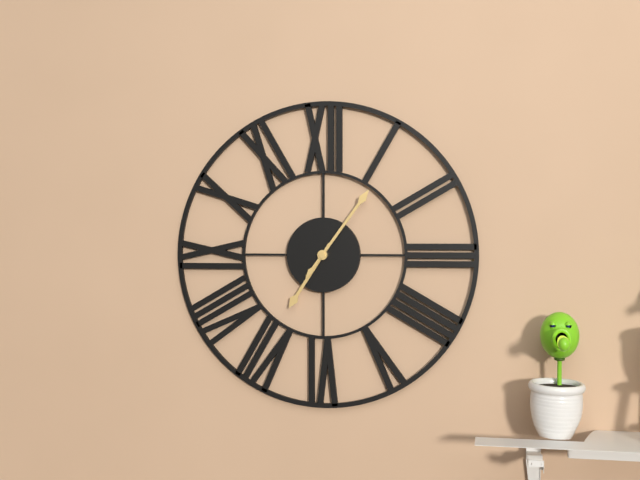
**7:06**
